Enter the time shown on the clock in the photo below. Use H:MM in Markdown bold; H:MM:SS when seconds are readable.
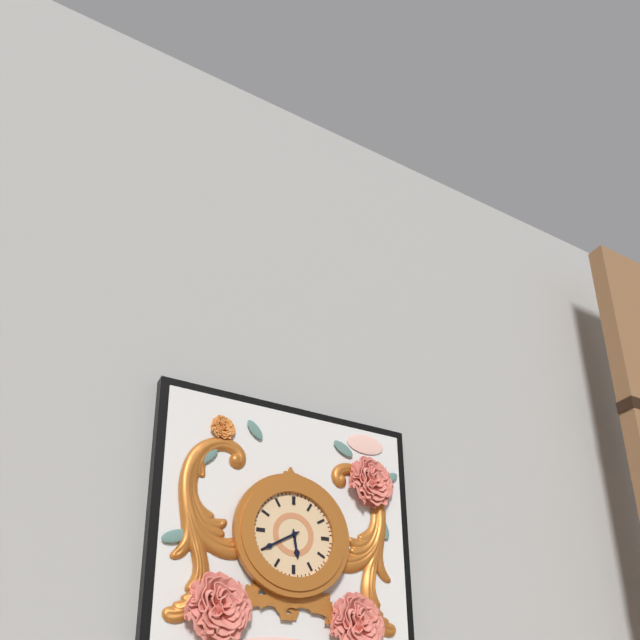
**5:40**
